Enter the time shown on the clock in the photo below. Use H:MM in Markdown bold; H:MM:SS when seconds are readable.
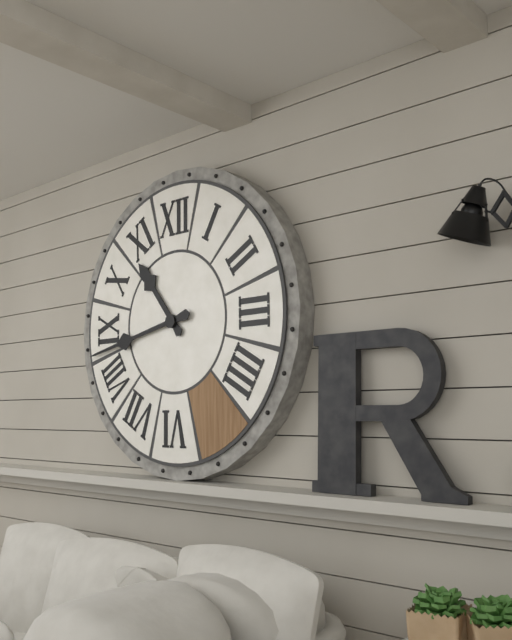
**10:43**
